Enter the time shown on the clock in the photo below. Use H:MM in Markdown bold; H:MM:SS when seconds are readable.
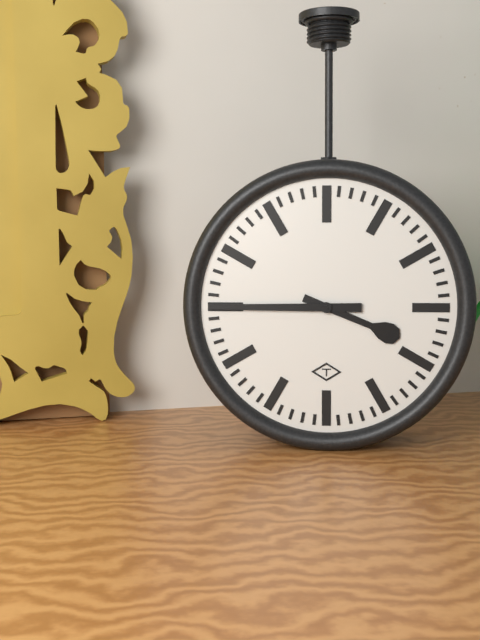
**3:45**
